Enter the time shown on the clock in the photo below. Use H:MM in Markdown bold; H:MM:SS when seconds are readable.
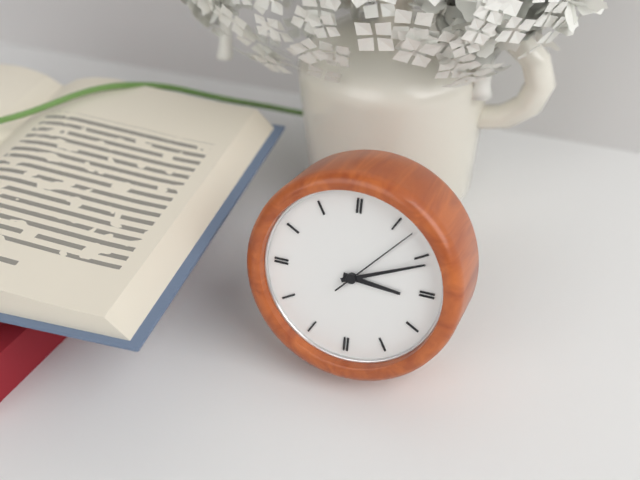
**3:11:07**
